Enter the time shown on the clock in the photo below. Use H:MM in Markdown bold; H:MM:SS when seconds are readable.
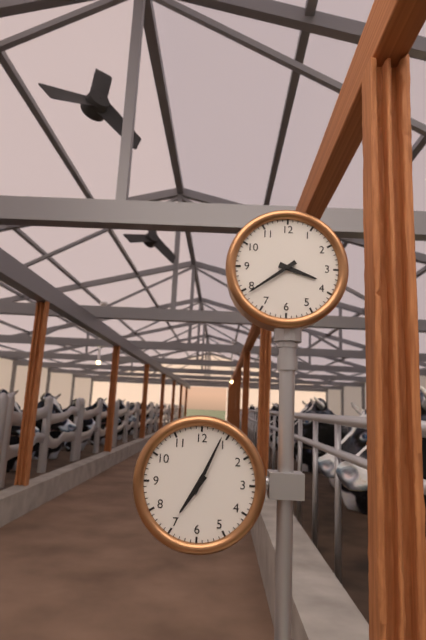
**3:39**
